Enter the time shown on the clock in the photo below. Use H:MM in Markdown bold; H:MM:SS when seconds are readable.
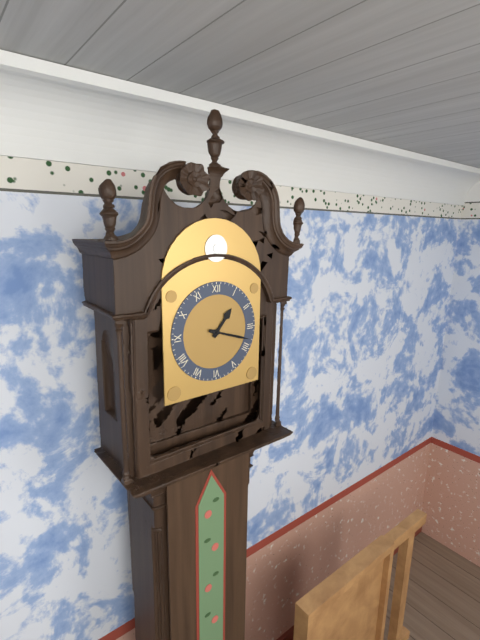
**1:18**
